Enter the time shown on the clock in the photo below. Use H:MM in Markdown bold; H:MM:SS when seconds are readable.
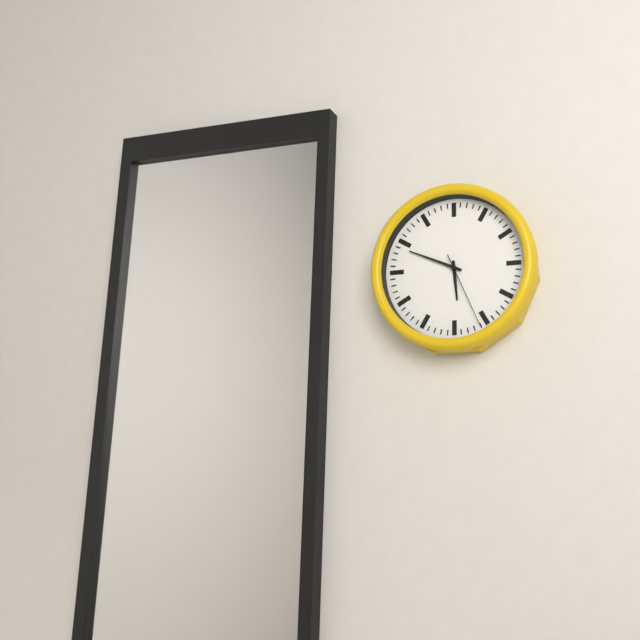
**5:49:26**
